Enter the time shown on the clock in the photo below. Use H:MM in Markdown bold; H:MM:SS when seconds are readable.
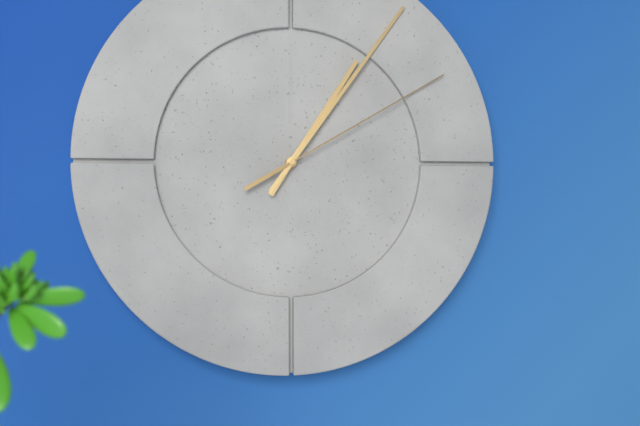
**1:06:10**
